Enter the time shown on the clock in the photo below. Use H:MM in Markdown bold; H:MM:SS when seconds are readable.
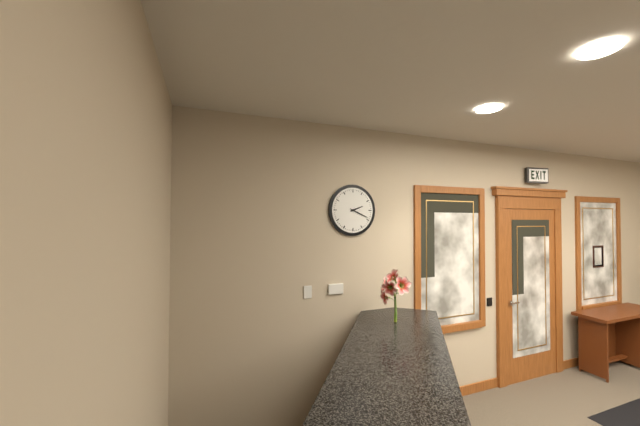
**2:19**
